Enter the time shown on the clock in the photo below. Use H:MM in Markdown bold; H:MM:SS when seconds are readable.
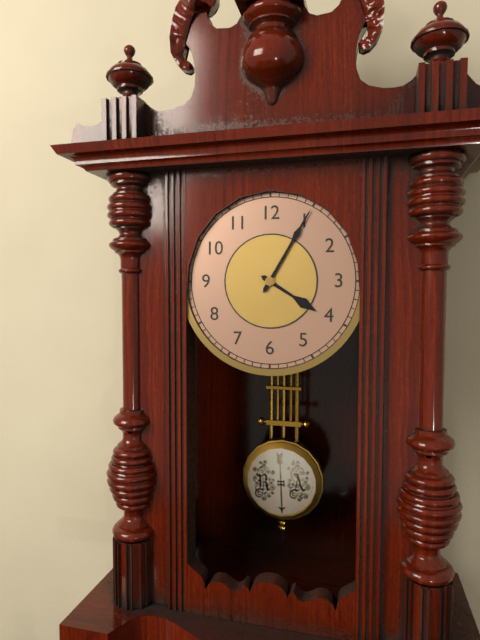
**4:05**
